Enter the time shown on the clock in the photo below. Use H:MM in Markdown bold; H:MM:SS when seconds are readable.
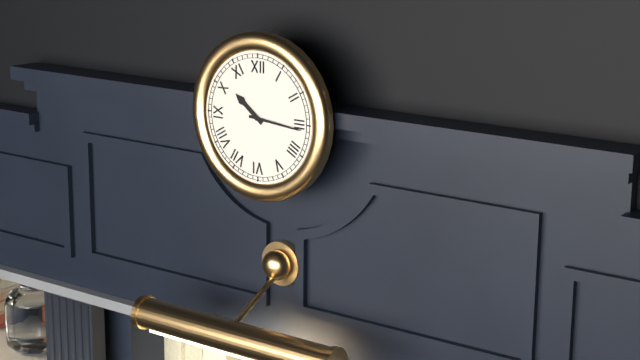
**10:16**
